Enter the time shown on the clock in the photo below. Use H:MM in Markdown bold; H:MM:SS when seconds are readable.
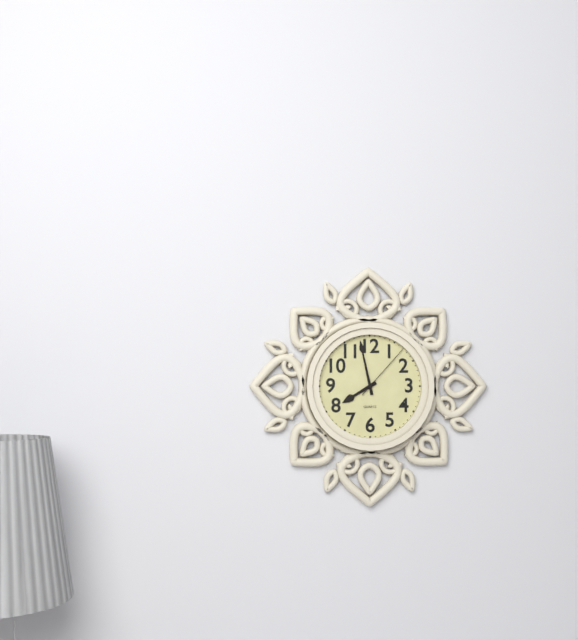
**7:58:07**
